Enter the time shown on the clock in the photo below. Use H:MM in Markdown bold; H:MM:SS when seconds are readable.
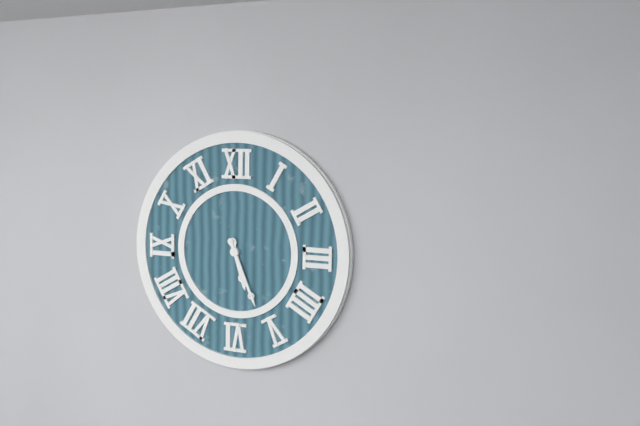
**5:26**
